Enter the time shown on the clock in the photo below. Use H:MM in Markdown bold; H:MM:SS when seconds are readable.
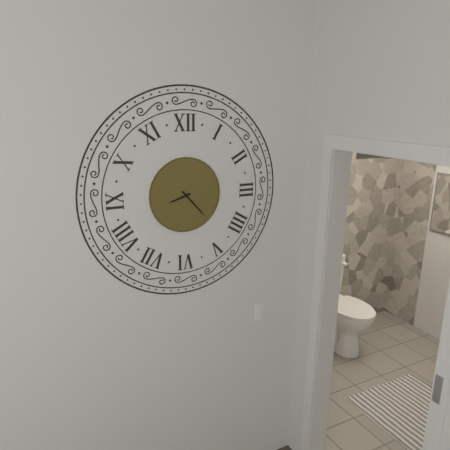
**8:23**
